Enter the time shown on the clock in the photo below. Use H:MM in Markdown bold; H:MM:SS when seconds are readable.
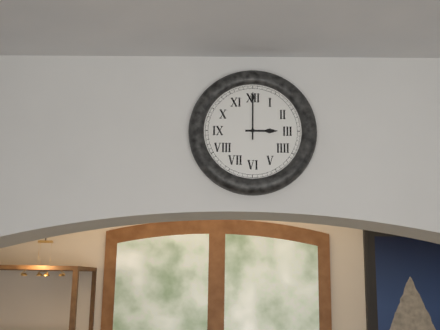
**3:00**
